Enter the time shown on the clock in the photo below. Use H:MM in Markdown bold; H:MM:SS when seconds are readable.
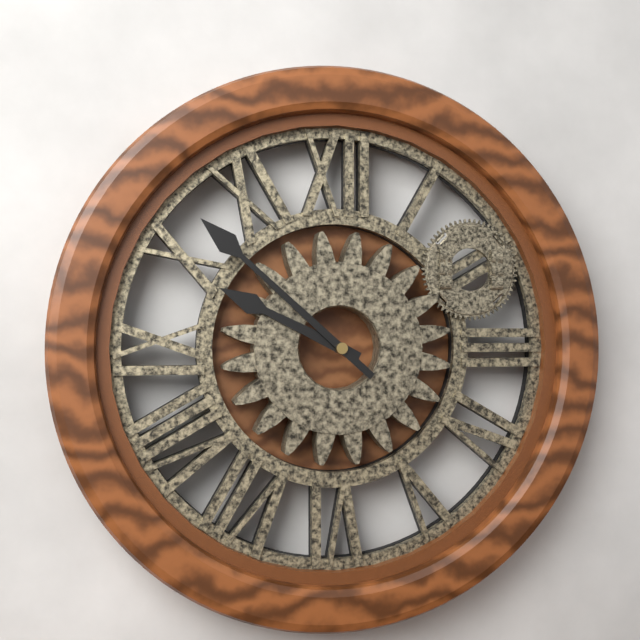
**9:52**
